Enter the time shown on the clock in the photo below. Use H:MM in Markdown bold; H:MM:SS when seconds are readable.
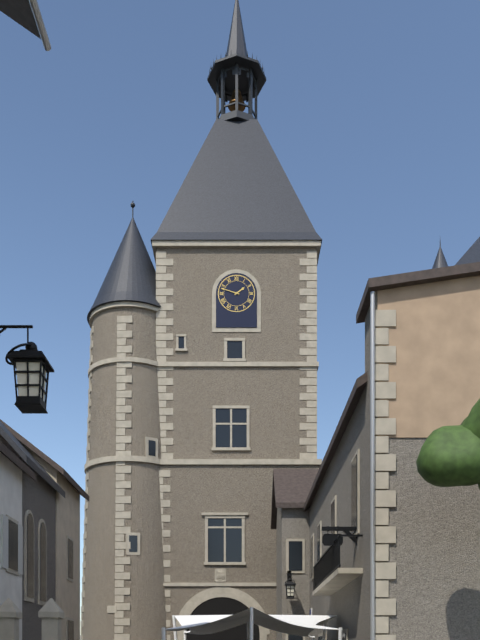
**1:48**
